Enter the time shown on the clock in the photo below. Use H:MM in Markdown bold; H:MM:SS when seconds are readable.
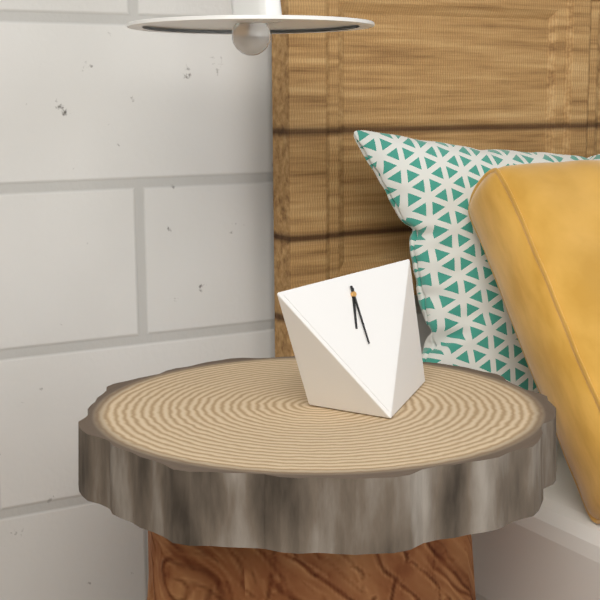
**6:30**
